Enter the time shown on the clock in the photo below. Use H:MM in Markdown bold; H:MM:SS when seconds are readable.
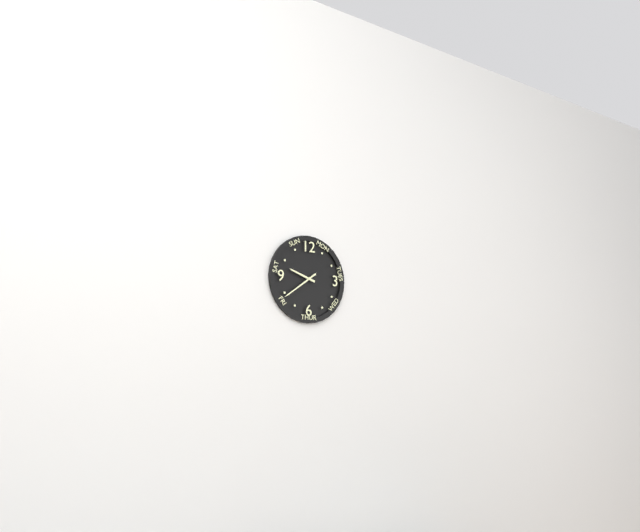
**9:39**
